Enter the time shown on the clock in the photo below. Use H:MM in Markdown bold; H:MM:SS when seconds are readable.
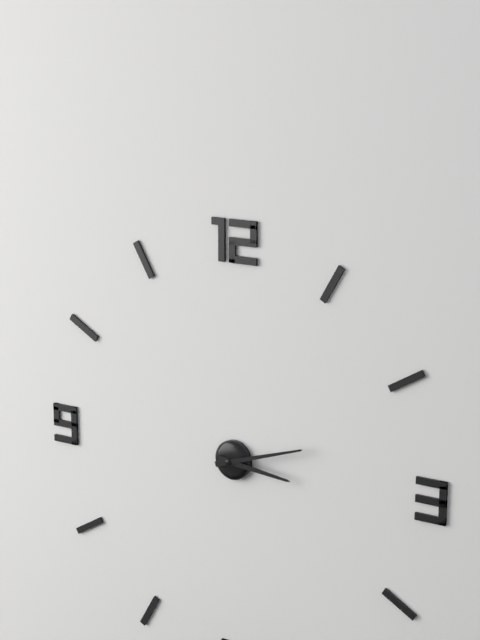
**3:12**
